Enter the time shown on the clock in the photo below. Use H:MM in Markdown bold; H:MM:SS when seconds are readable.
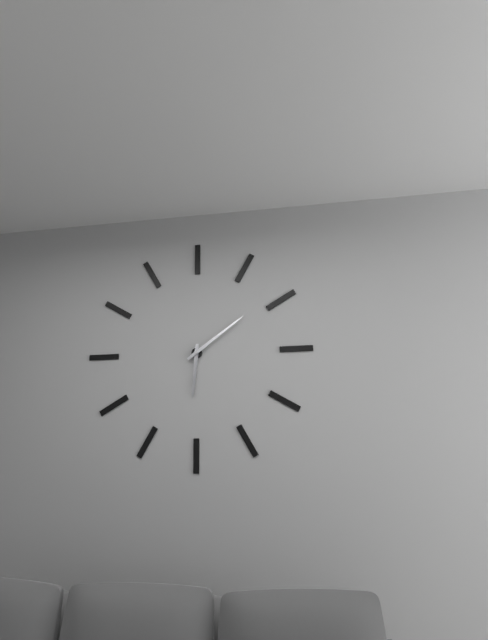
**6:09**
